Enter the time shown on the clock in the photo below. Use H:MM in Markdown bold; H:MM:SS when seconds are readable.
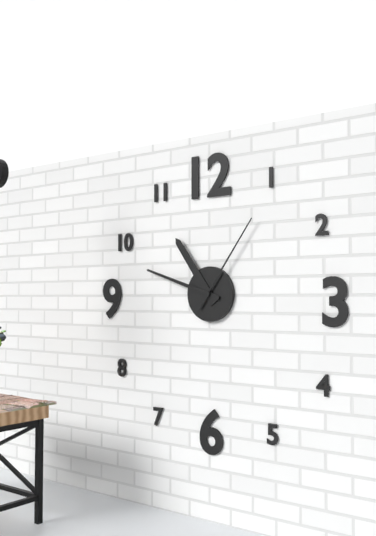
**10:48:06**
